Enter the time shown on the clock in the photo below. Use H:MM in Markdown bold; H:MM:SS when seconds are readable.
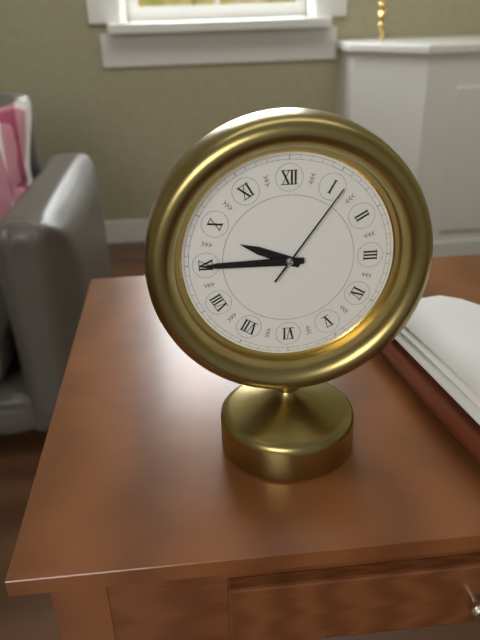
**9:45:06**
